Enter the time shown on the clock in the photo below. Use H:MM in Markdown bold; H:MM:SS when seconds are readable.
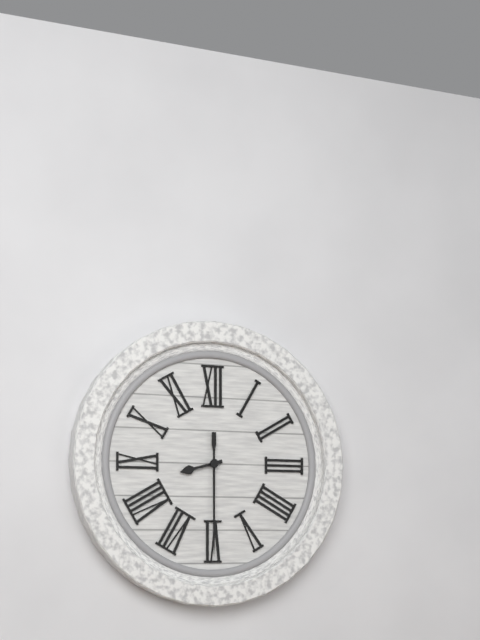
**8:30**
